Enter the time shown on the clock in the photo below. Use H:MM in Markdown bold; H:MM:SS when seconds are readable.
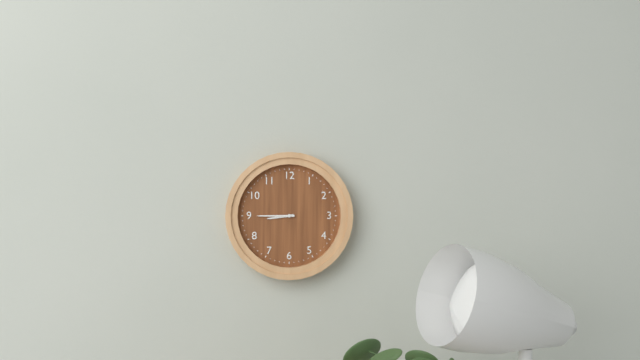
**8:45**
